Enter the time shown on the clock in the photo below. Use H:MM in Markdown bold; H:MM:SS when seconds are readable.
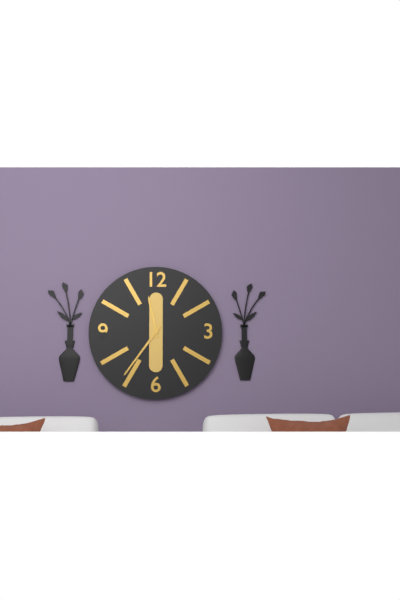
**11:36**
